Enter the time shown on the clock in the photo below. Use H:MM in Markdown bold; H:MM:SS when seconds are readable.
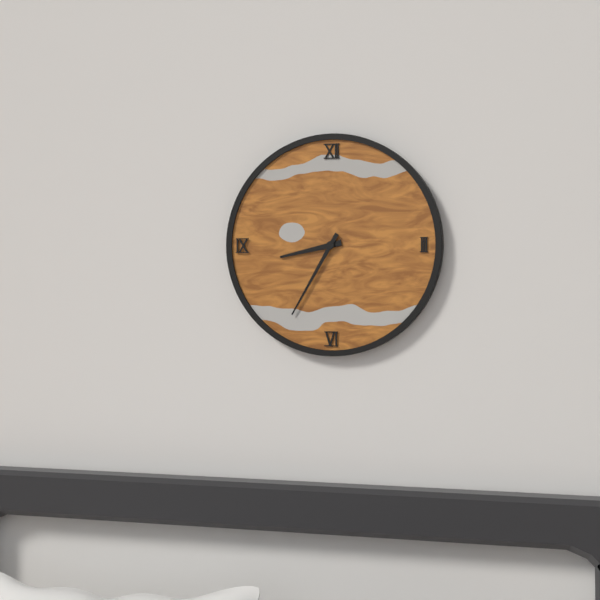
**8:35**
